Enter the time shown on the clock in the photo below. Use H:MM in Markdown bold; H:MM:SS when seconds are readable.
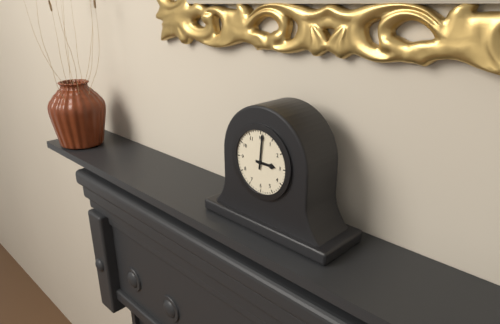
**3:01**
